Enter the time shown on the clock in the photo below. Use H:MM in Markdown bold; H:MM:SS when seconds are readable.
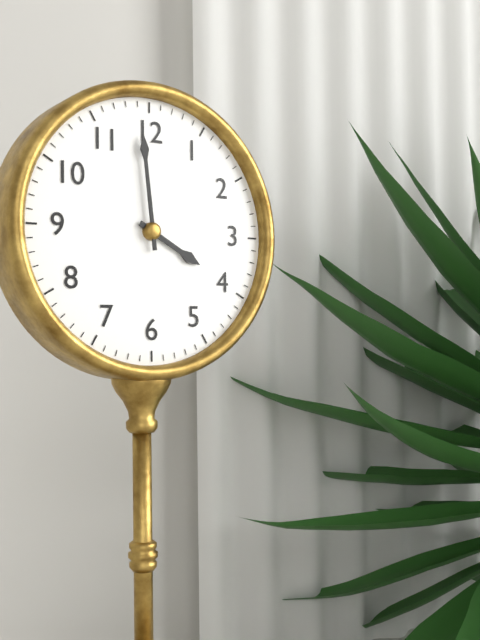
**3:59**
